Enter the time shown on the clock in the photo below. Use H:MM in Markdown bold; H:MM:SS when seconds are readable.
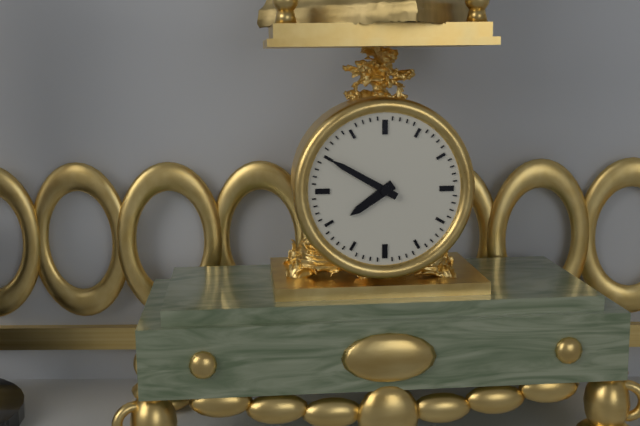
**7:50**
